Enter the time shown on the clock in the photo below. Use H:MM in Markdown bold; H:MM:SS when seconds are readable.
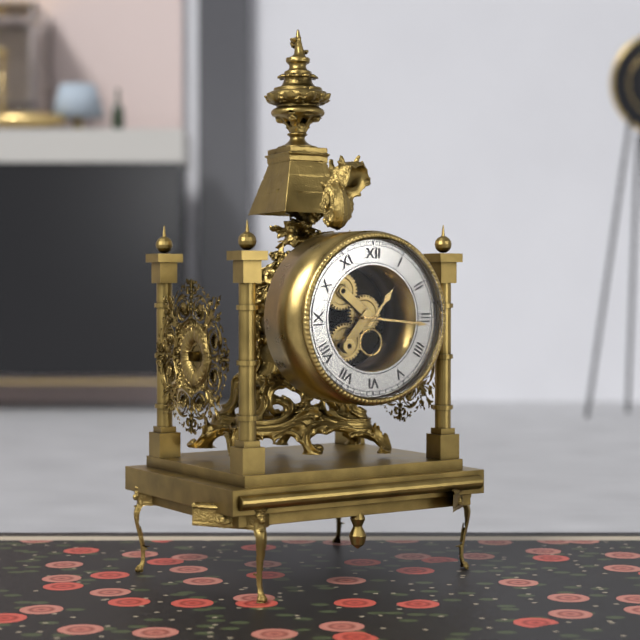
**1:16**
